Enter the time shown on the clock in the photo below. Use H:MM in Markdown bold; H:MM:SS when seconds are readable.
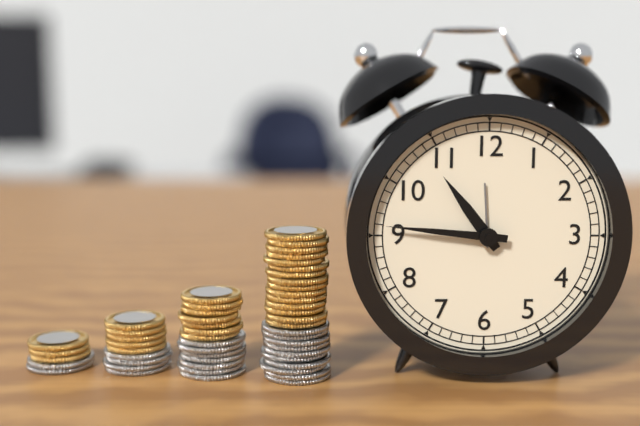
**10:46**
